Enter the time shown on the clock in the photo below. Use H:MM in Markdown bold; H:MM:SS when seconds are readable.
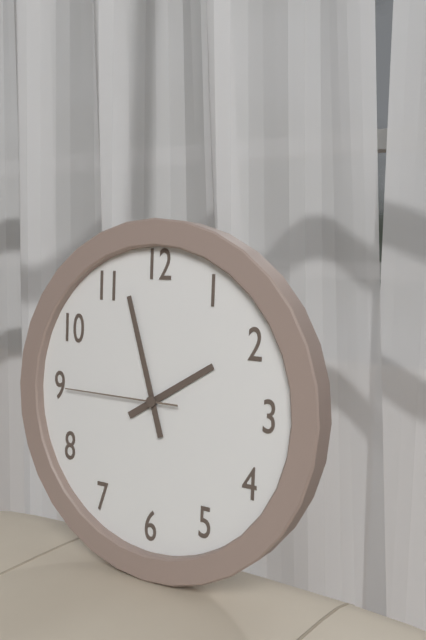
**1:57:45**
